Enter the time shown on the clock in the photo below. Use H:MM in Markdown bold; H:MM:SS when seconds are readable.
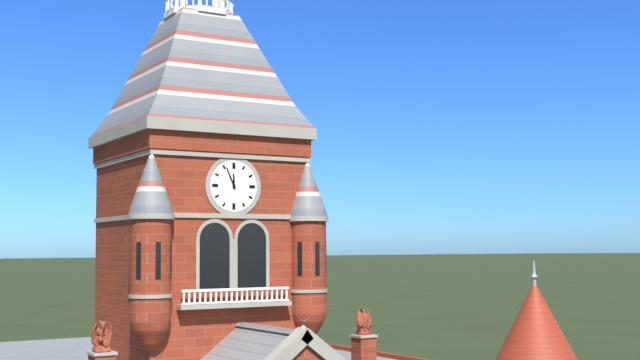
**11:56**
